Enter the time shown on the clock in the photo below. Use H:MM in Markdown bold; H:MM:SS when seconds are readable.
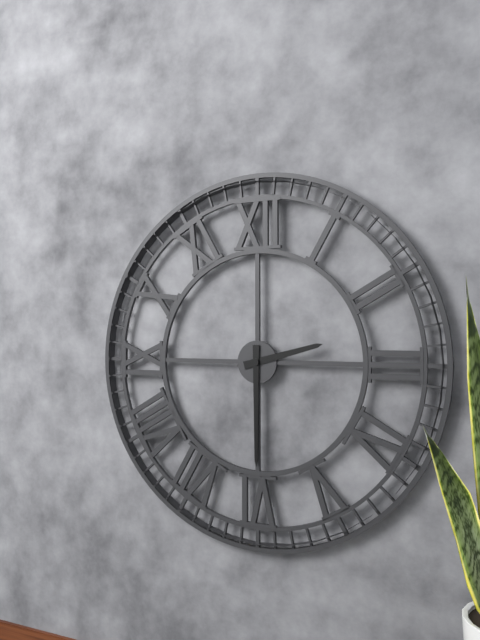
**2:30**
